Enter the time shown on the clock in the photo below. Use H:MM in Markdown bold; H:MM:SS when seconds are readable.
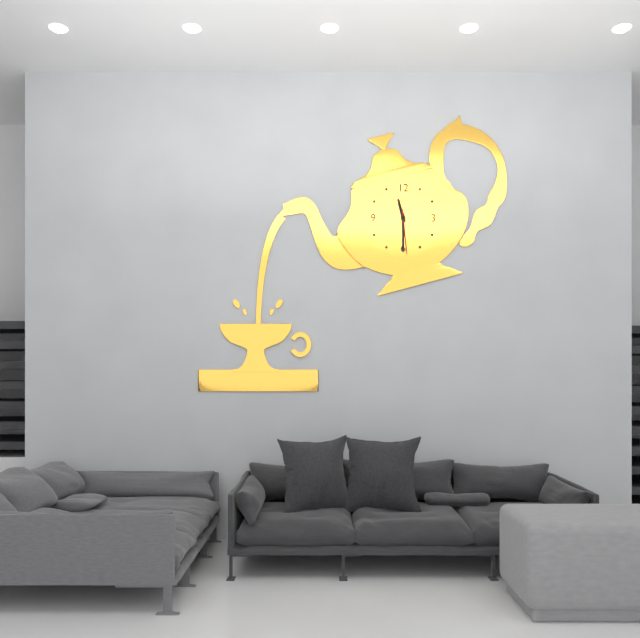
**11:30**
